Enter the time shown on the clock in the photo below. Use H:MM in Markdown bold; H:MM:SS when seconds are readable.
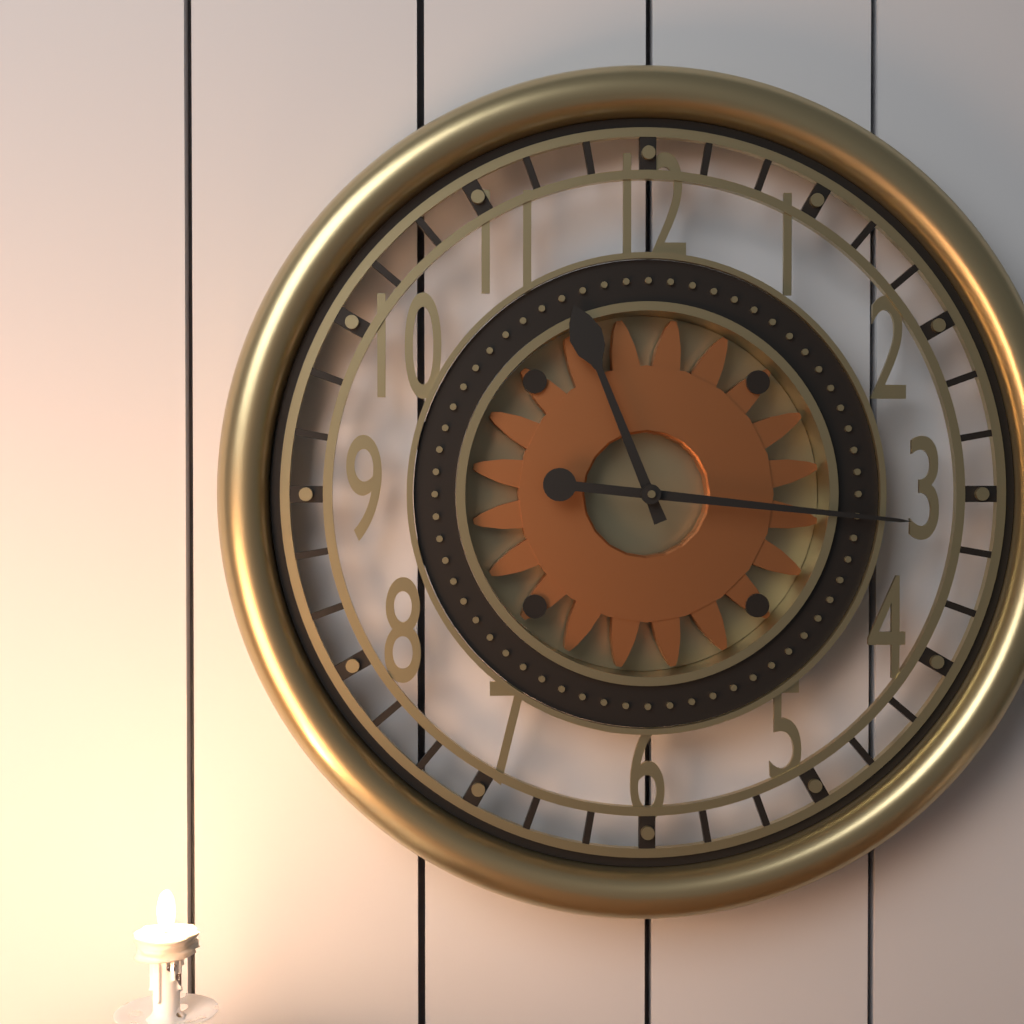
**11:16**
